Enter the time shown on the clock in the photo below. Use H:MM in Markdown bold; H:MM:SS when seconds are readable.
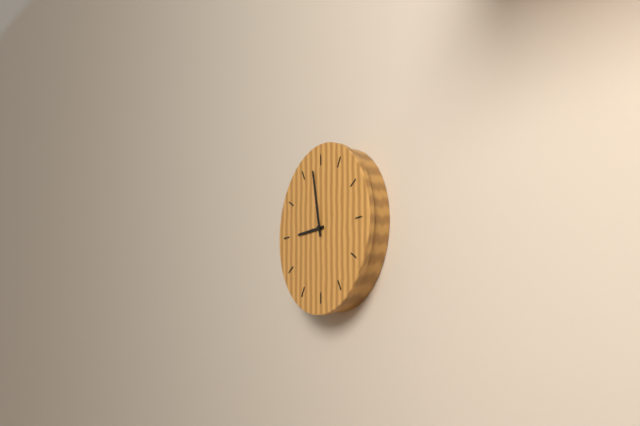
**8:58**
